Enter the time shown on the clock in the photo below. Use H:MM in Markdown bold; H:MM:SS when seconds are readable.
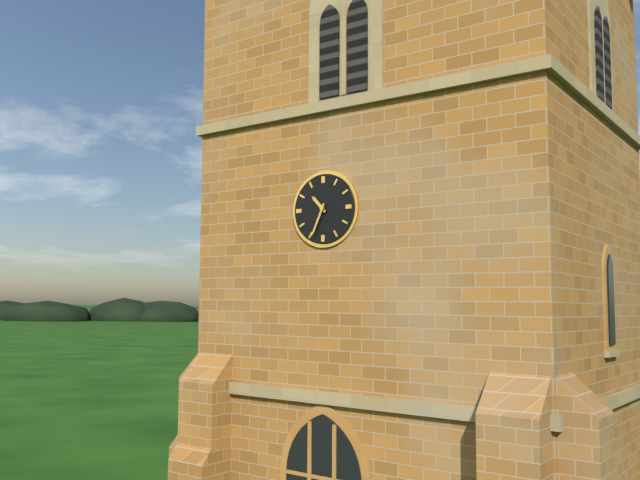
**10:34**
